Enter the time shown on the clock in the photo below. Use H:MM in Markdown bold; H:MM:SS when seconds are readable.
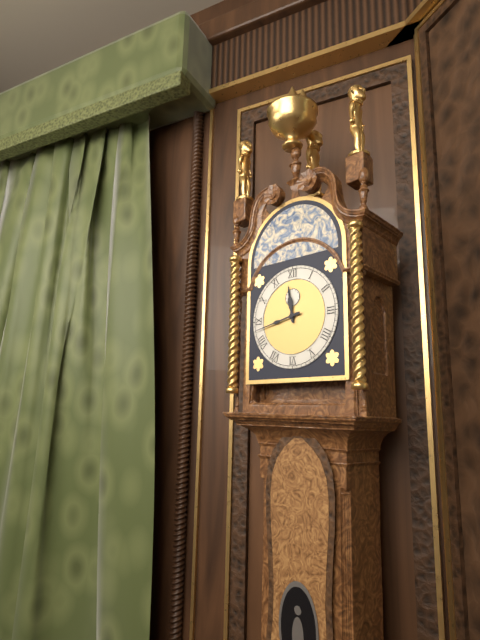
**11:43**
